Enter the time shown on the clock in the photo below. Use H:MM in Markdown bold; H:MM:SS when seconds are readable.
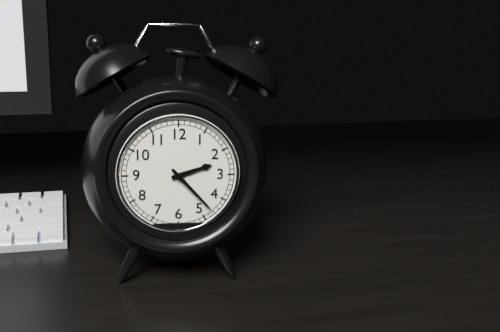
**2:23**
